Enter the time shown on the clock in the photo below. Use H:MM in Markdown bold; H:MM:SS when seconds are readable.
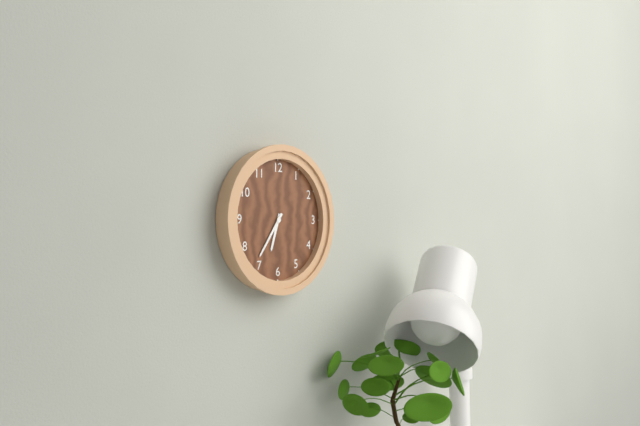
**6:36**
